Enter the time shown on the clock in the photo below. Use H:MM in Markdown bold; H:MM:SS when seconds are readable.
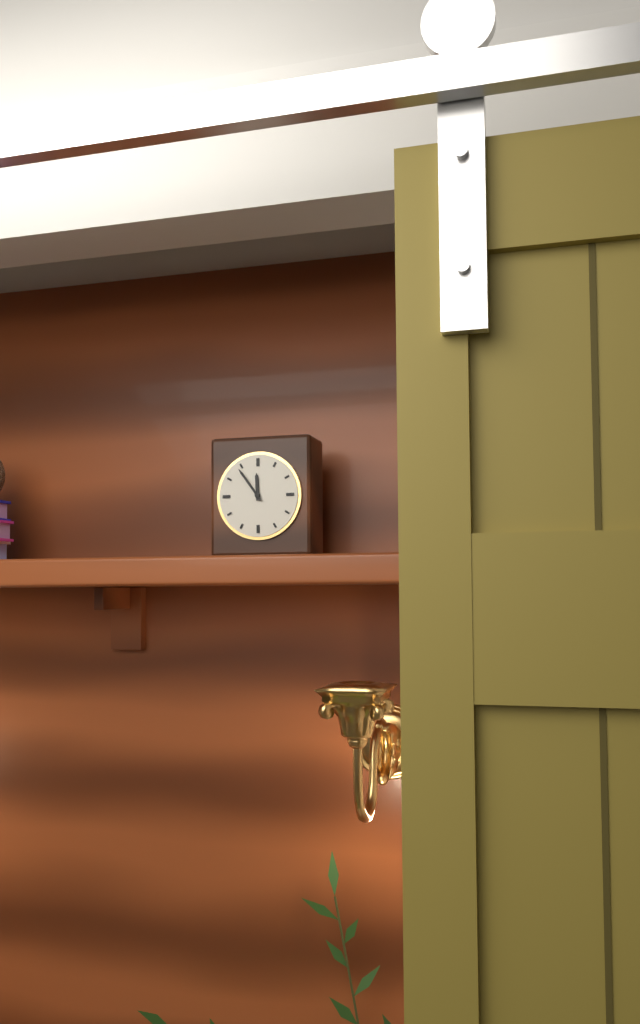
**11:54**
